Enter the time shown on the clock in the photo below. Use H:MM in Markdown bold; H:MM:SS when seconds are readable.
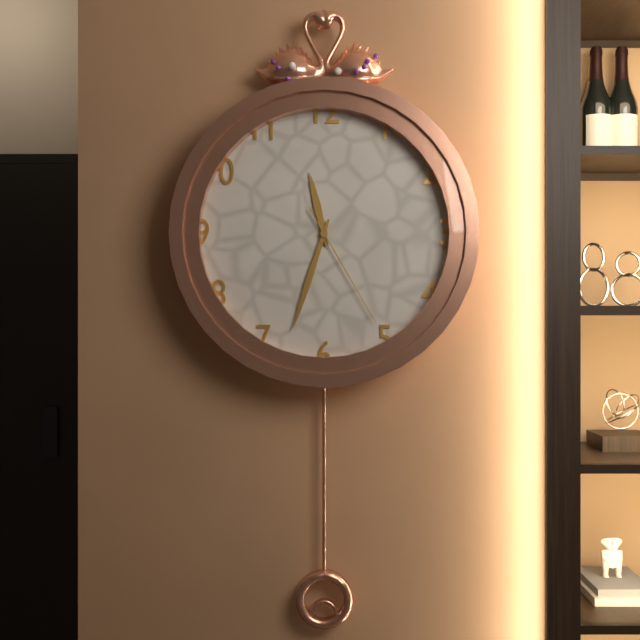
**11:33:25**
